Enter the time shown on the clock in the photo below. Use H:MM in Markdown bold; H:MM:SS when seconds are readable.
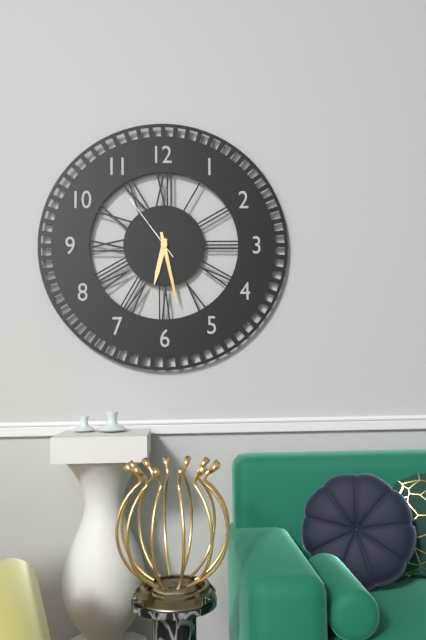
**6:28:54**
